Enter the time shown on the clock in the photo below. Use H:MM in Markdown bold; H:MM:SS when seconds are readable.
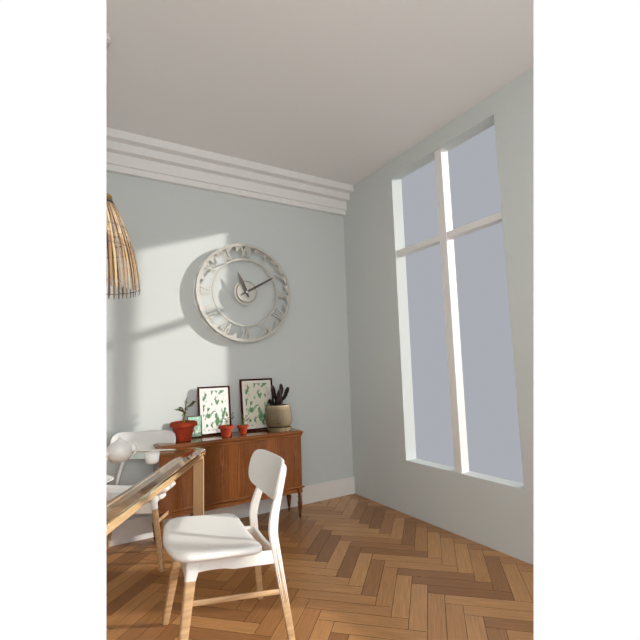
**11:10**
